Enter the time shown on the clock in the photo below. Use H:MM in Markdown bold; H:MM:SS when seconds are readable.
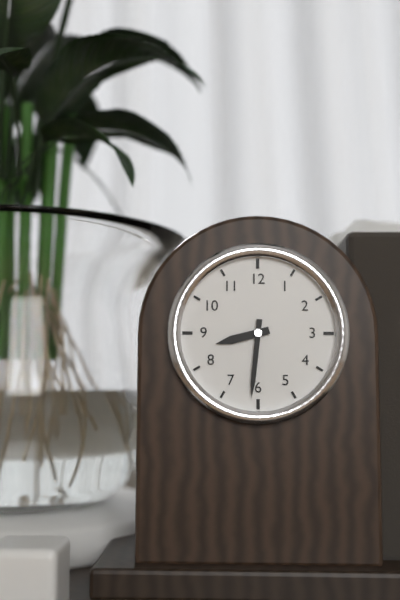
**8:31**
